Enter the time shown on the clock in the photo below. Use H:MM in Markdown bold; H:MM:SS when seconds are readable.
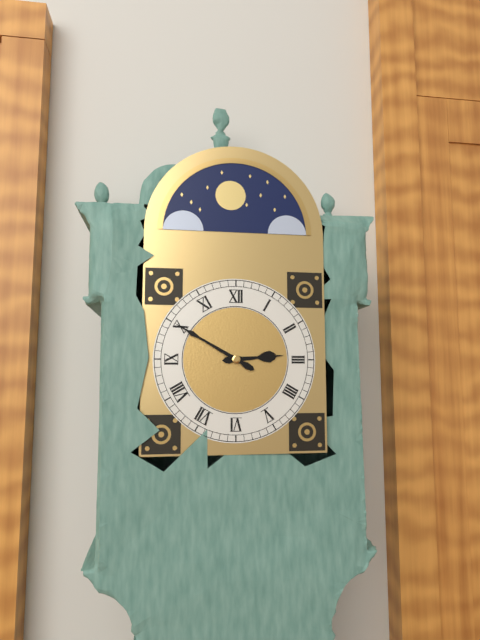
**2:50**
